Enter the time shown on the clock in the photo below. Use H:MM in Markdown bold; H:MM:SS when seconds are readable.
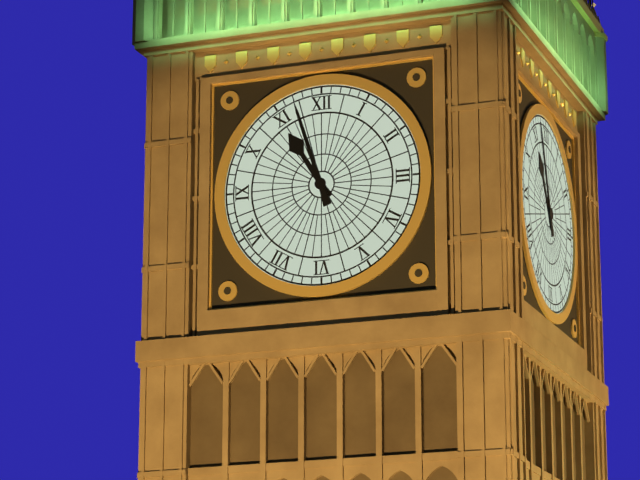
**10:57**
